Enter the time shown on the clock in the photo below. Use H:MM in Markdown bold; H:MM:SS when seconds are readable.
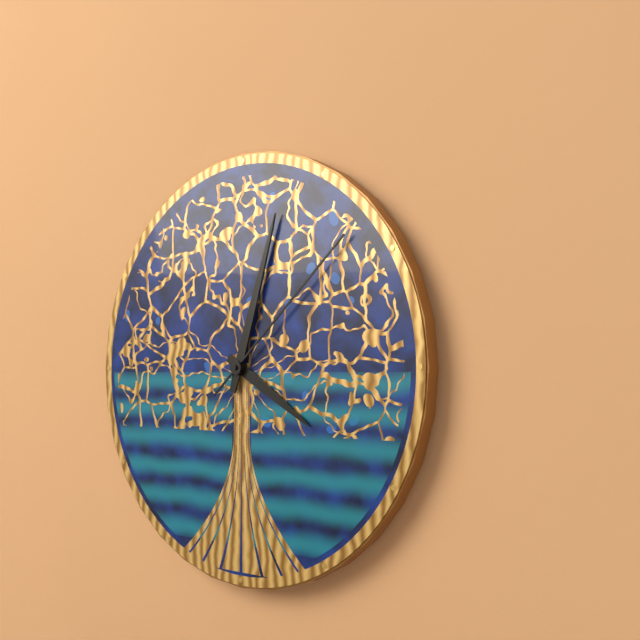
**4:03:08**
